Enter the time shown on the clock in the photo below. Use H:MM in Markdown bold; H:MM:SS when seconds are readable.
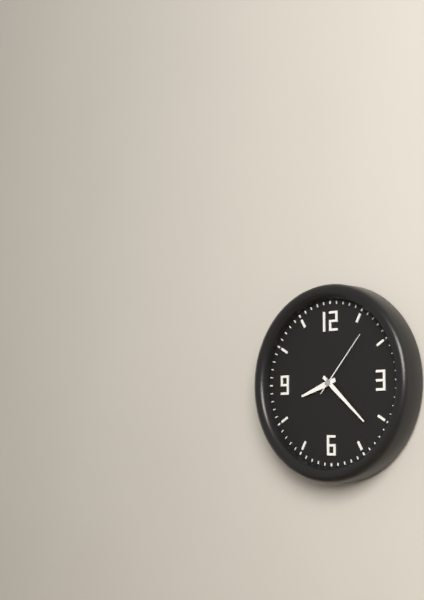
**8:22:07**
